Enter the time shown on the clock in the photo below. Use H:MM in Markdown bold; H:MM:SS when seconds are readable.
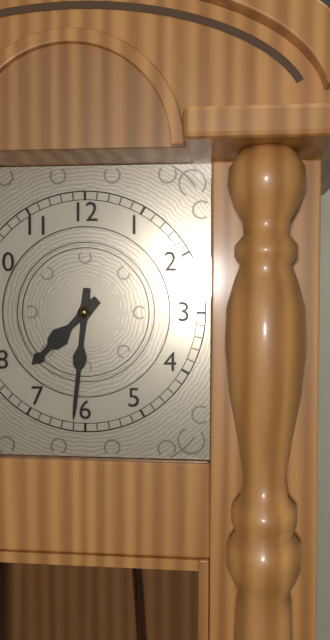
**7:31**
